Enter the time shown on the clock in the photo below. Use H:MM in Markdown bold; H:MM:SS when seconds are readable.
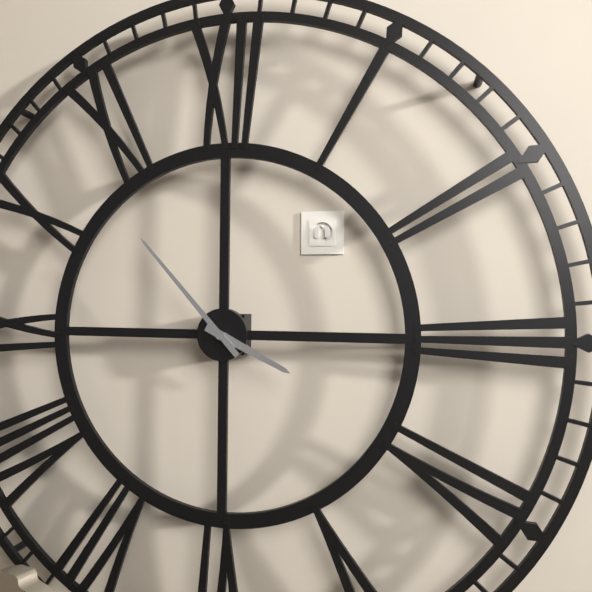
**3:53**
